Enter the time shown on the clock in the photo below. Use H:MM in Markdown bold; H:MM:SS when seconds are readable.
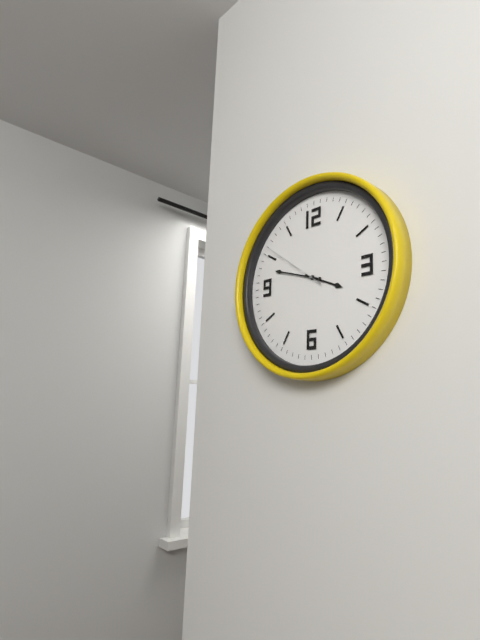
**3:48:51**
